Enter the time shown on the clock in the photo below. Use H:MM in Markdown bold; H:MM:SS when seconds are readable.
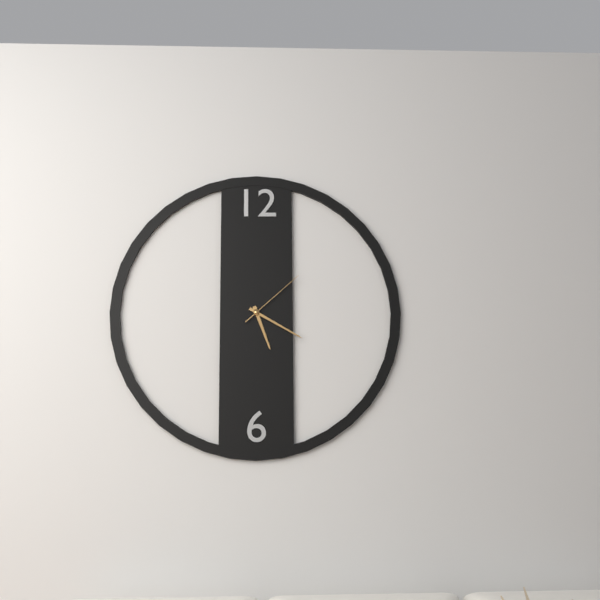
**5:20:08**
